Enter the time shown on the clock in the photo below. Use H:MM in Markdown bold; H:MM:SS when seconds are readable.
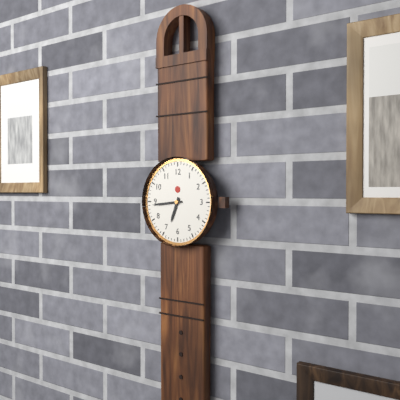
**6:44**
